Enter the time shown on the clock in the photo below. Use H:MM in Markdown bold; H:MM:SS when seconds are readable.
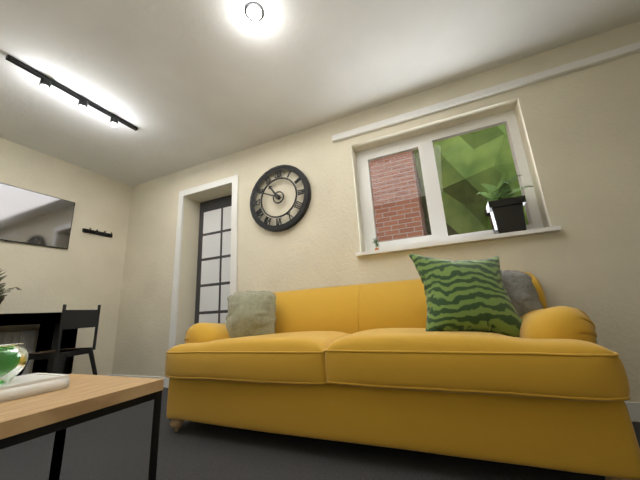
**10:49**
